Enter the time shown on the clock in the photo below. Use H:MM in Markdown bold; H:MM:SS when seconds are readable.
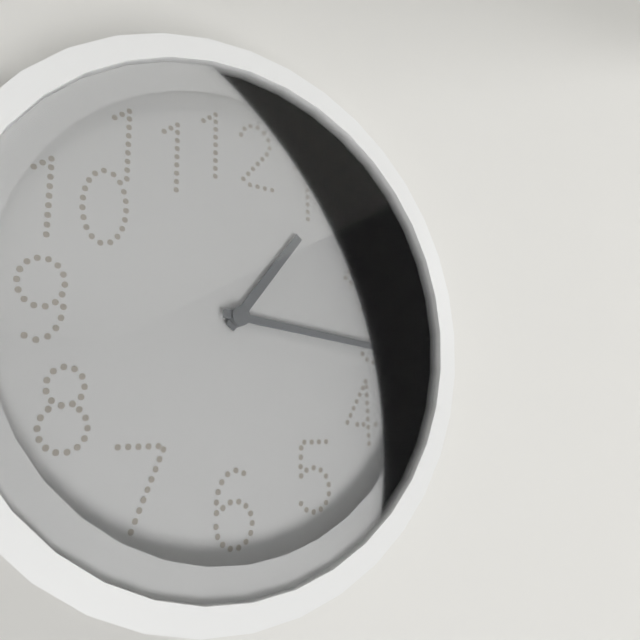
**1:16**
